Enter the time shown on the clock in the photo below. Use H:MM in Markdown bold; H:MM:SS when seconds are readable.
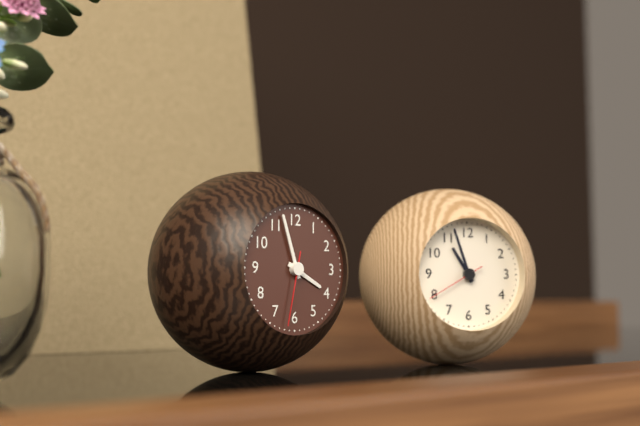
**3:57:32**
